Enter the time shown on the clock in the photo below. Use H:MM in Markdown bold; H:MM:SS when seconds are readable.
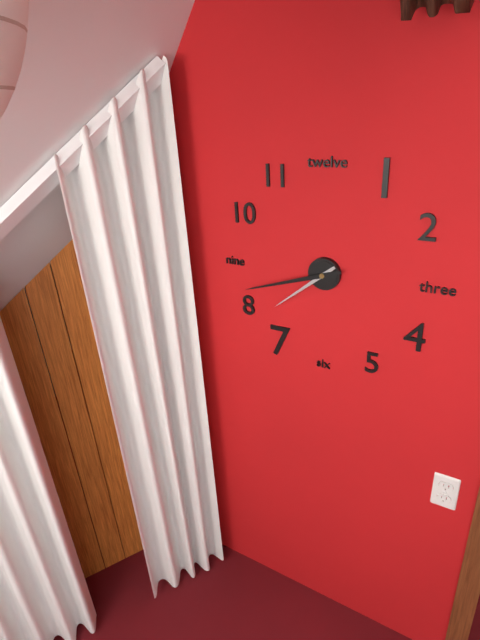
**7:42**
